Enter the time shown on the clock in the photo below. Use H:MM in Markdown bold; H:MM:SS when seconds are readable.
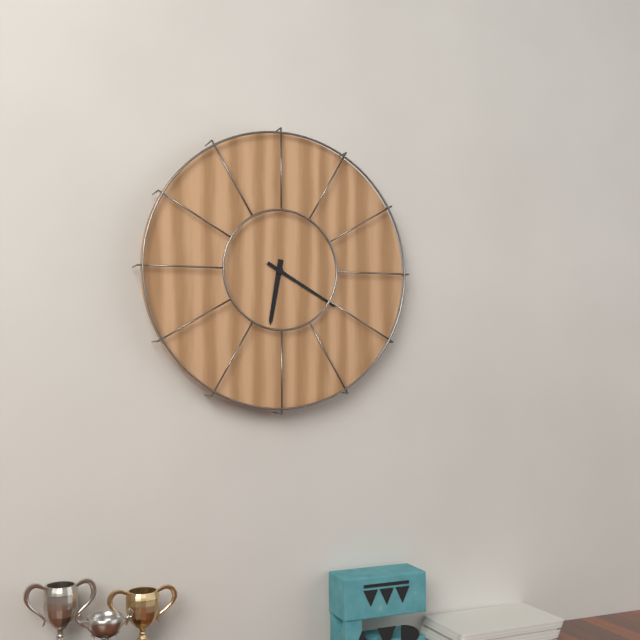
**6:20**
